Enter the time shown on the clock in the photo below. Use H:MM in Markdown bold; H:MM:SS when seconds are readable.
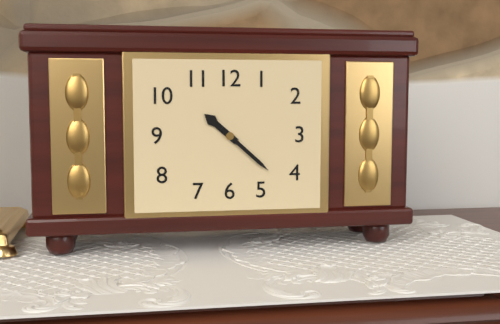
**10:22**
